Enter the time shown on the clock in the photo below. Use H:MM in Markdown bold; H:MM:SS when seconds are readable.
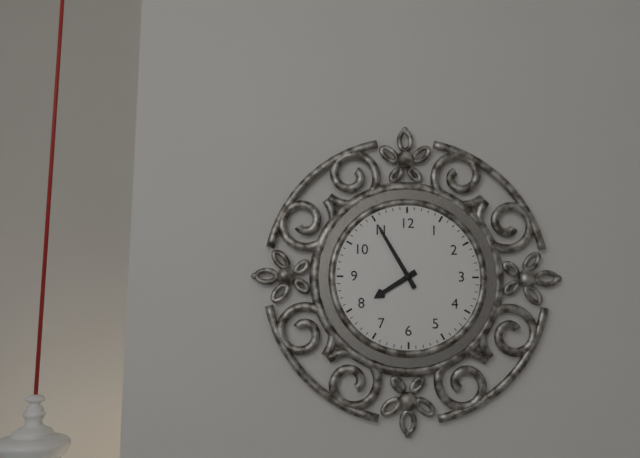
**7:55**
